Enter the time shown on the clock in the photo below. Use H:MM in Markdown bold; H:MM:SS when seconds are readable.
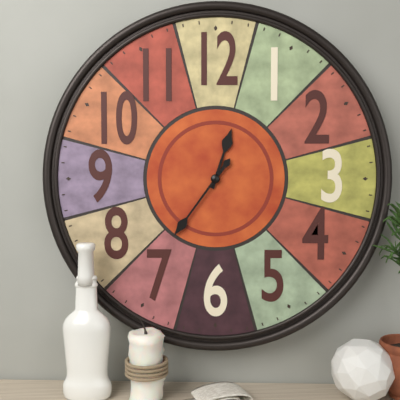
**12:36**
